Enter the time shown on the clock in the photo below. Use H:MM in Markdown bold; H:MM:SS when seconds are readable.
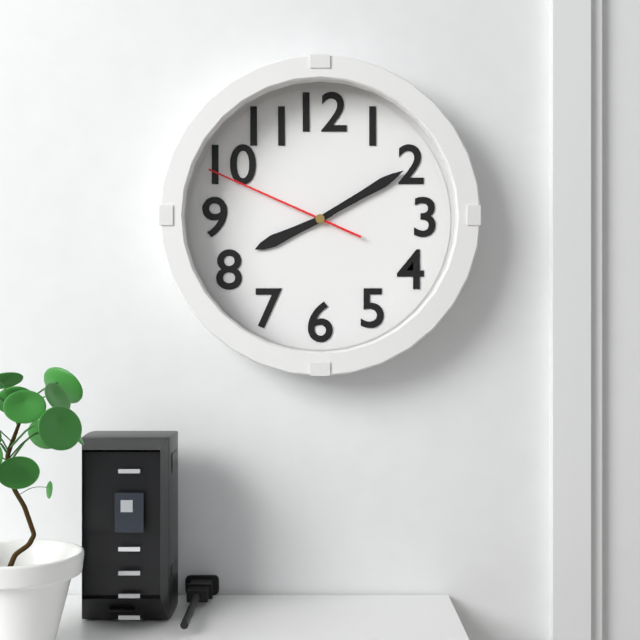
**8:10:49**
